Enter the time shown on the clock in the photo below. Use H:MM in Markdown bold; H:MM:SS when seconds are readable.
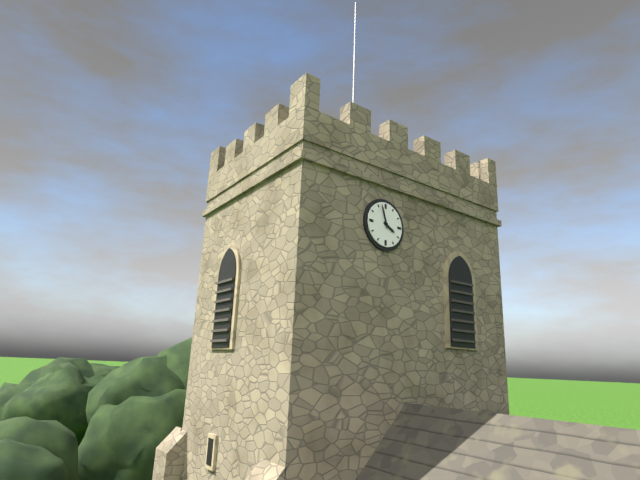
**3:57**
